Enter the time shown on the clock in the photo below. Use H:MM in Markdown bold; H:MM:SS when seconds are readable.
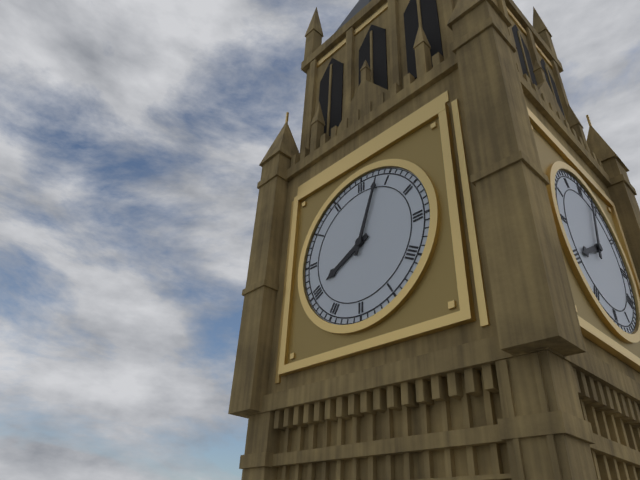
**8:03**
